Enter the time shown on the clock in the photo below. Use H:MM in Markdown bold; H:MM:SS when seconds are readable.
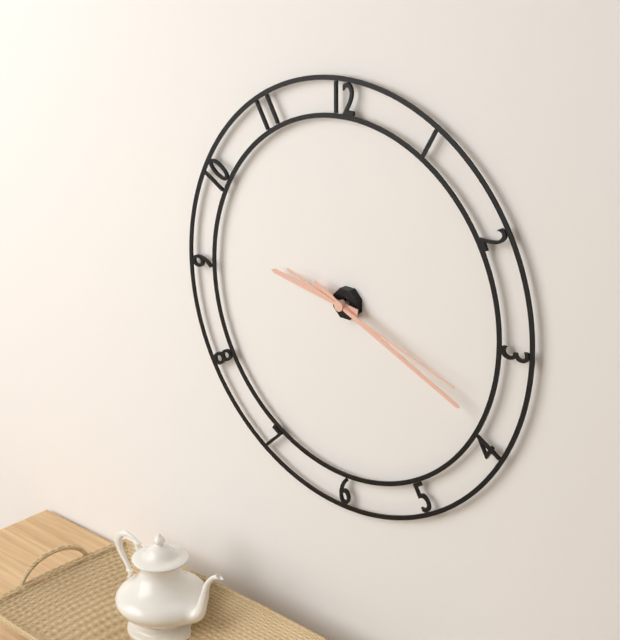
**9:19:18**
